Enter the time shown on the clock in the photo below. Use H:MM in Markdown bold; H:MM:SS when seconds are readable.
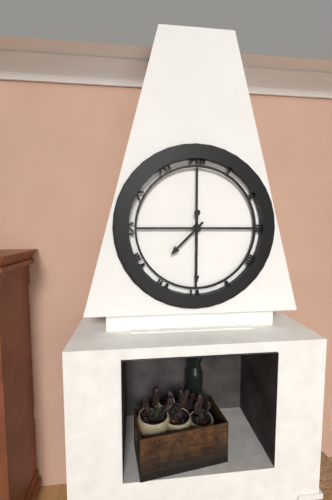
**7:30**
